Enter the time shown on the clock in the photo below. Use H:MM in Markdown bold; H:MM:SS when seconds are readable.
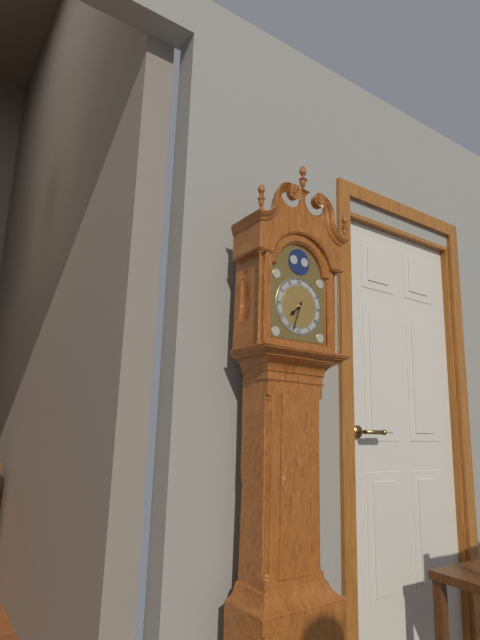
**7:33**
